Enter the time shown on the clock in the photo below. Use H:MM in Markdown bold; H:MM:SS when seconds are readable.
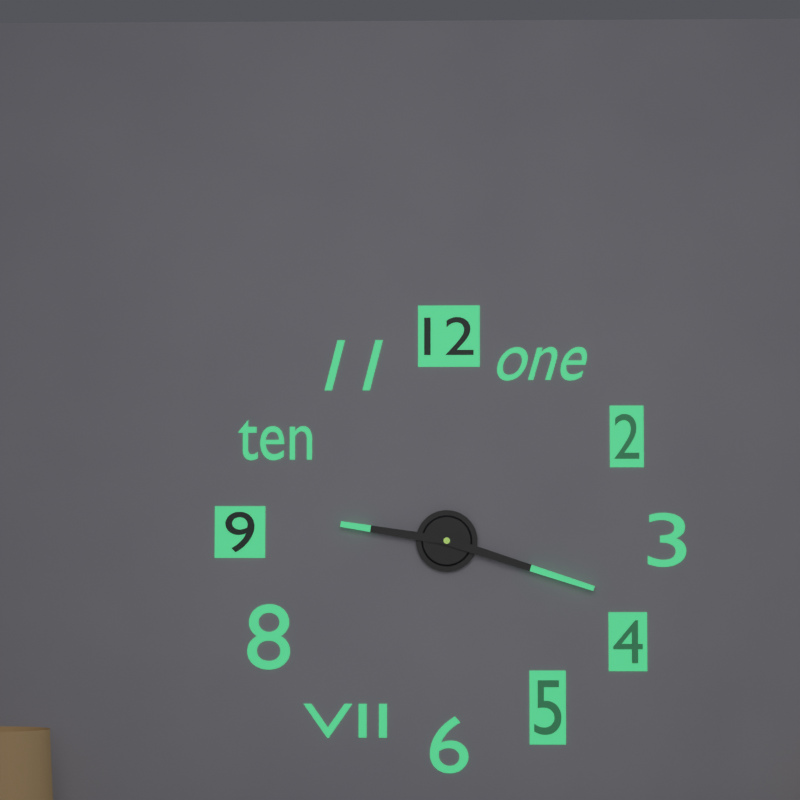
**9:18**
